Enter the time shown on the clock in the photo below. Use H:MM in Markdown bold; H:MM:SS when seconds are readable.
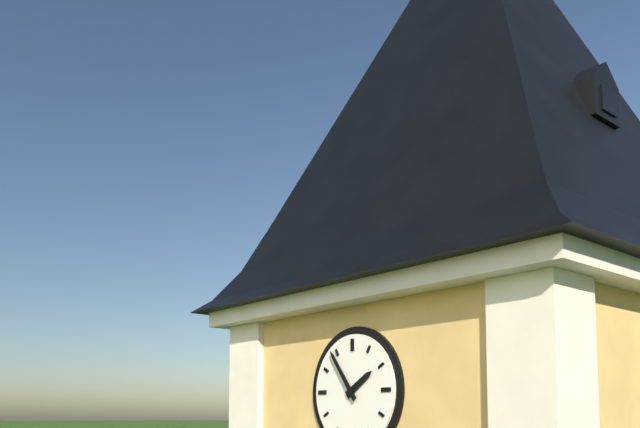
**1:54**
